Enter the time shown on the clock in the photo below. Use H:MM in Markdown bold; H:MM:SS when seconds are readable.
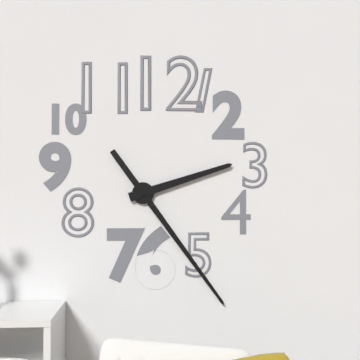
**2:24**
